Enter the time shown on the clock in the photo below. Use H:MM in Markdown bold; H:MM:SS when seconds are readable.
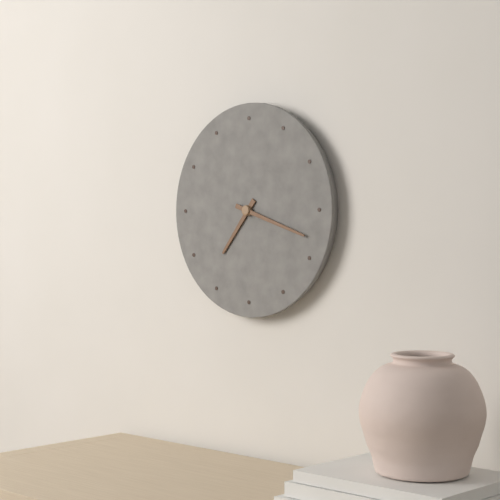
**7:18**
